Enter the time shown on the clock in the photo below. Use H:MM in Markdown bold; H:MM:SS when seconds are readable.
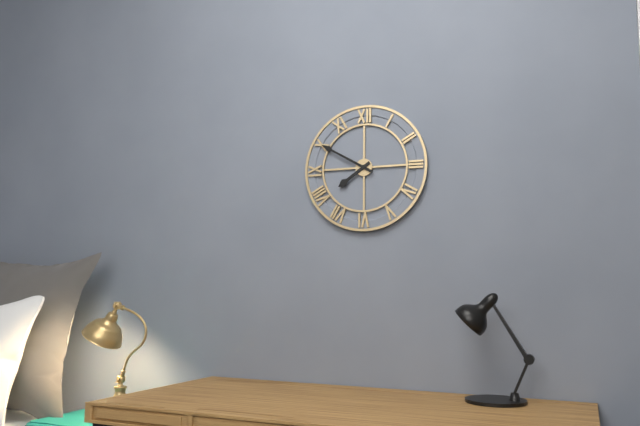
**7:50**
